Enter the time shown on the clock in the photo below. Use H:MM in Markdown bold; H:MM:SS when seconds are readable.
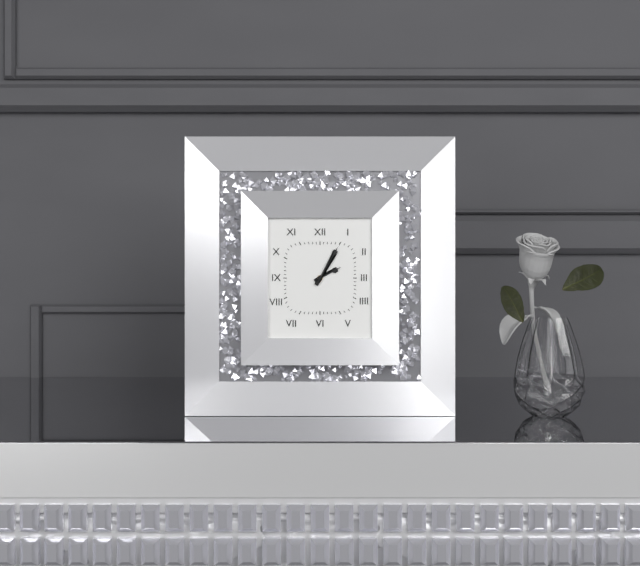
**2:05**
